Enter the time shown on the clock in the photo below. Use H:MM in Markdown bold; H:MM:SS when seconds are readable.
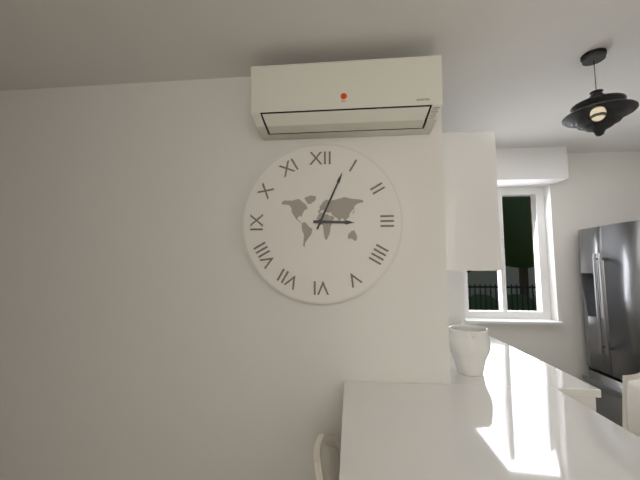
**3:04**
